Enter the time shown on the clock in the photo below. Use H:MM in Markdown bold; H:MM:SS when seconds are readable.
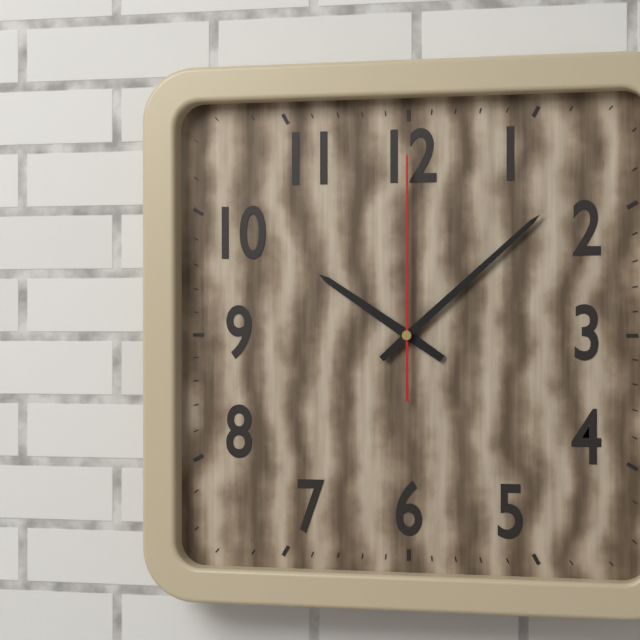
**10:08:00**
